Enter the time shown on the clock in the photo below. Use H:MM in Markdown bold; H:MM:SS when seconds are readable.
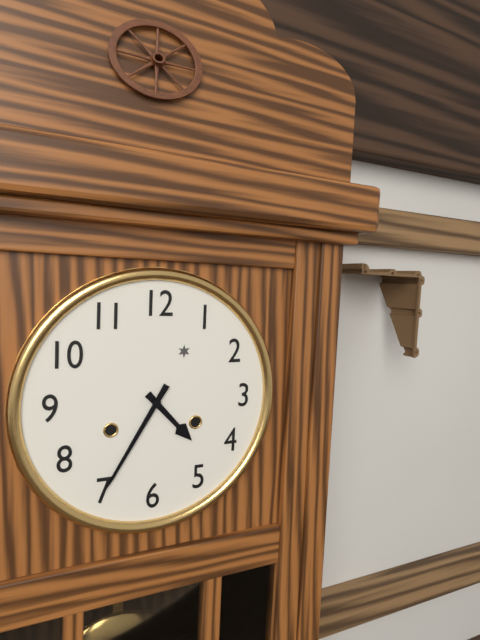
**4:35**
